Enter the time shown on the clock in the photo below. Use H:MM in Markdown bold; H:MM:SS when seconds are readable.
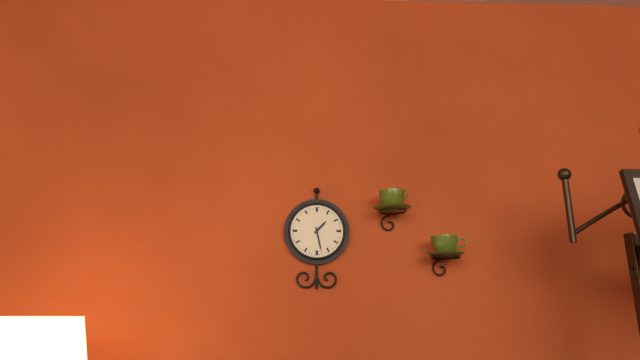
**1:28**
